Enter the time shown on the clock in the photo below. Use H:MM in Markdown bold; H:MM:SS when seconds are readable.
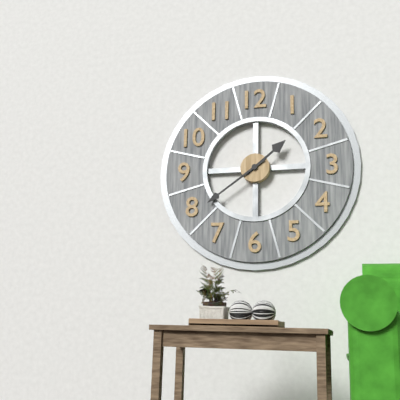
**1:39**
